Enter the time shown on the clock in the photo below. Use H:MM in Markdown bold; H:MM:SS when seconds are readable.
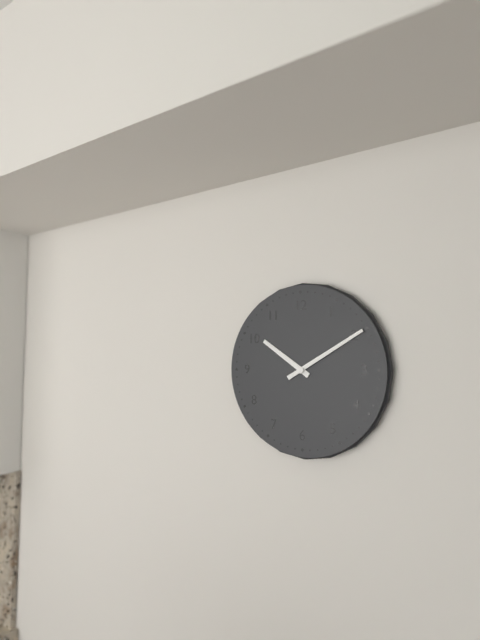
**10:10**
